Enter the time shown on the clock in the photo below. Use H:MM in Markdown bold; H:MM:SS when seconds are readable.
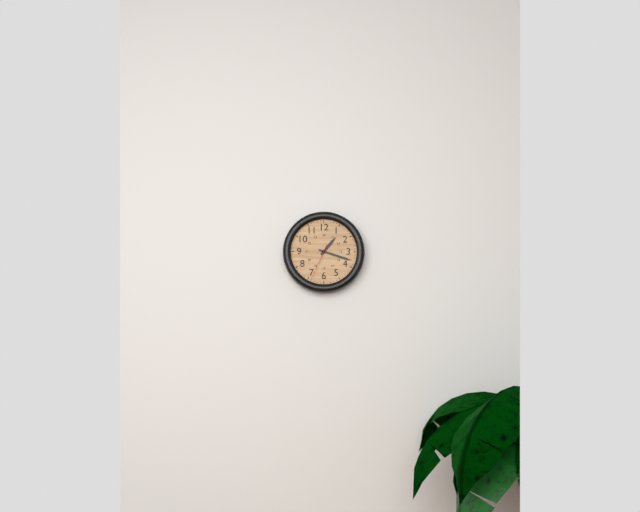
**1:18**
